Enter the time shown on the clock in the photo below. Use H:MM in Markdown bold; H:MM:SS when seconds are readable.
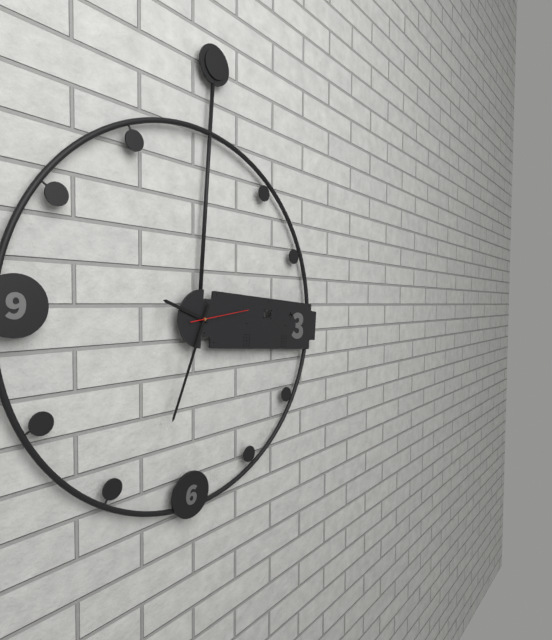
**9:33:13**
